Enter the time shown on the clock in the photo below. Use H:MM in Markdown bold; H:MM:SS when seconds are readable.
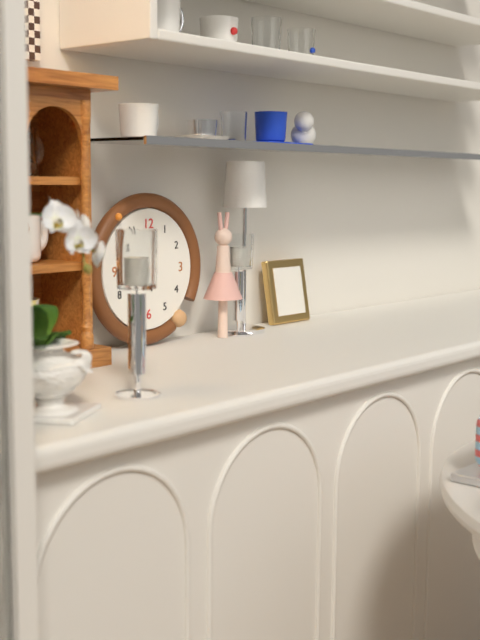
**5:41**
